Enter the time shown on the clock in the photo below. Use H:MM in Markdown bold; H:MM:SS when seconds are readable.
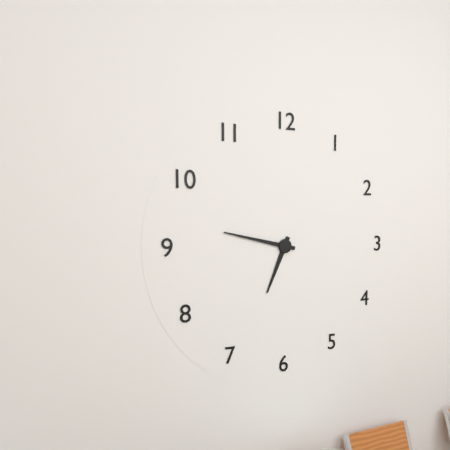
**6:47**
